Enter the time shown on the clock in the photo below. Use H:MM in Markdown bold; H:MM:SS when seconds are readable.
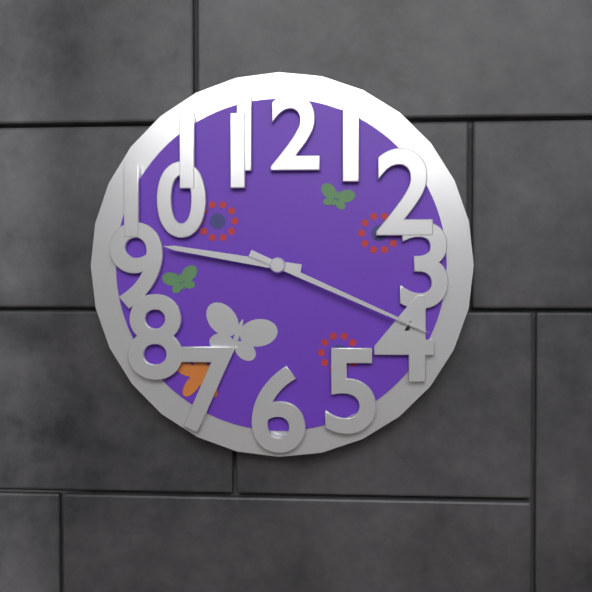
**9:19**
